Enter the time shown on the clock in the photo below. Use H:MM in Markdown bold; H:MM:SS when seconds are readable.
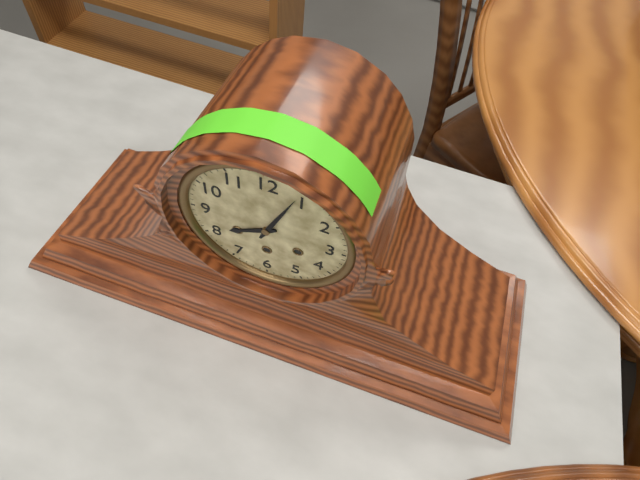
**8:04**
